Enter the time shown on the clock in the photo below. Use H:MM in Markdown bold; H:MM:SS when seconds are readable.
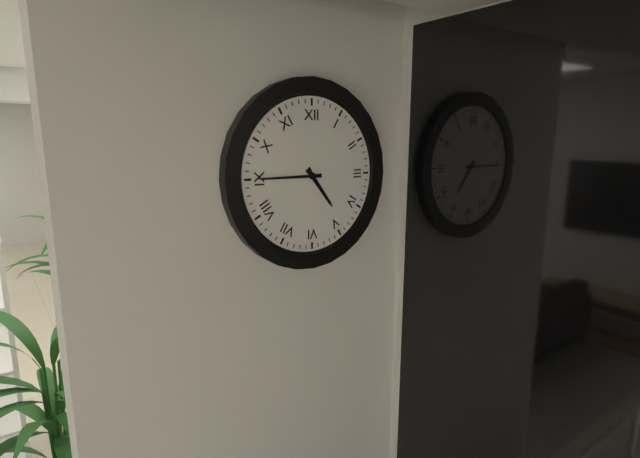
**4:45**
